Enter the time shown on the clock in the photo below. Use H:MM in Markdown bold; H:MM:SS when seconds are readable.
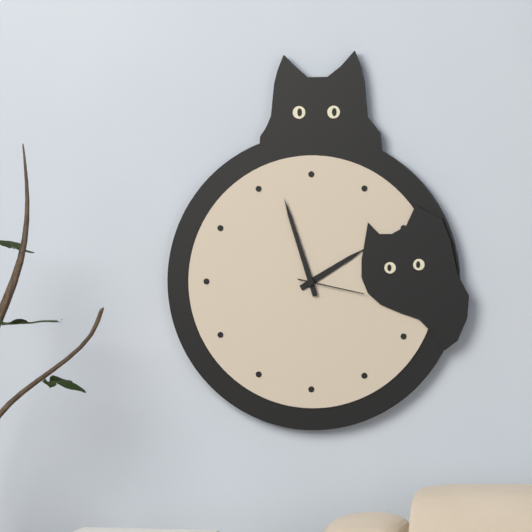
**1:57:17**
